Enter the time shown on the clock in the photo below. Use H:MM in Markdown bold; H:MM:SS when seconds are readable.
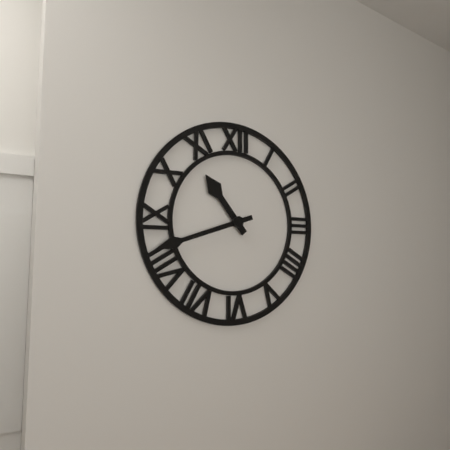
**10:42**
